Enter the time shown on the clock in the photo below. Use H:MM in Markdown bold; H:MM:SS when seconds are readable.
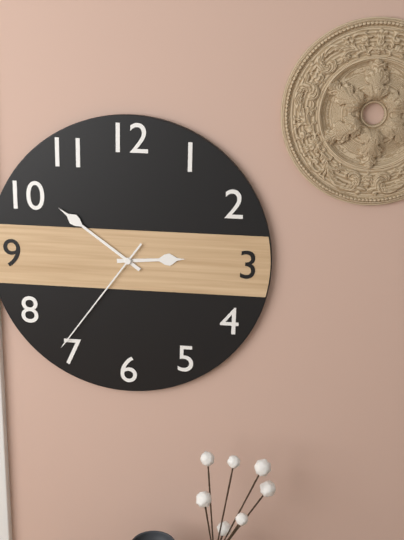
**2:51:36**
